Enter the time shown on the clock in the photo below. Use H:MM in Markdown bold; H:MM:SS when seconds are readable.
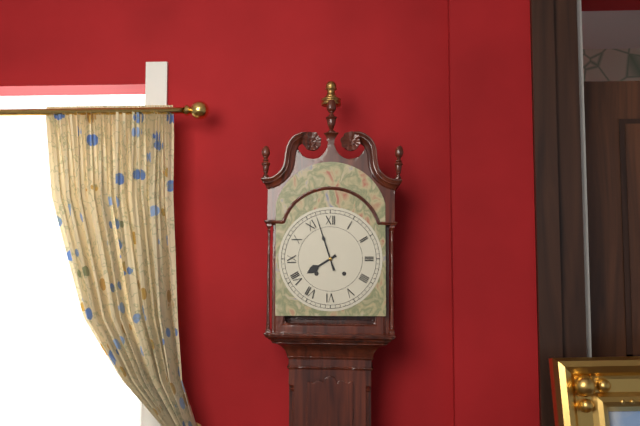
**7:57**
